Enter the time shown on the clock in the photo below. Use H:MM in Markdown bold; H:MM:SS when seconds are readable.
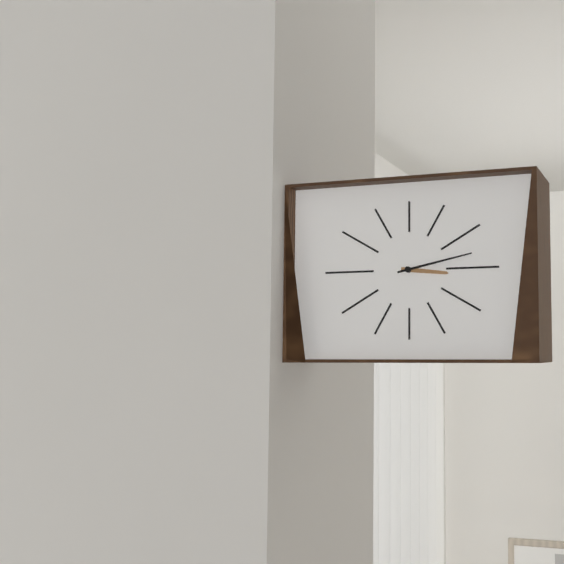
**3:13**
